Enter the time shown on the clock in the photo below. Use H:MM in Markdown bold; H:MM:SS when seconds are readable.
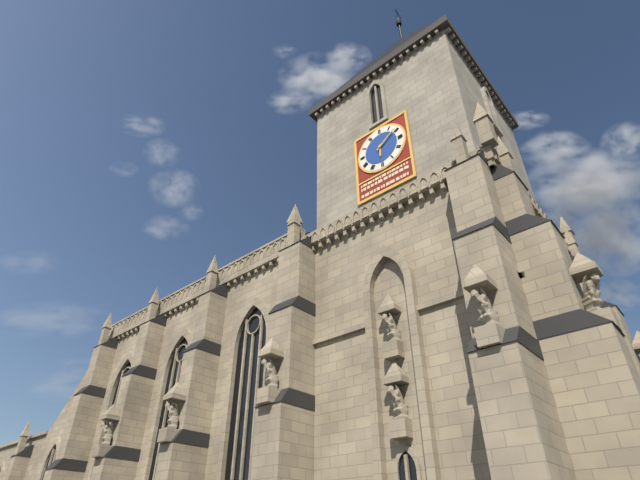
**6:09**
